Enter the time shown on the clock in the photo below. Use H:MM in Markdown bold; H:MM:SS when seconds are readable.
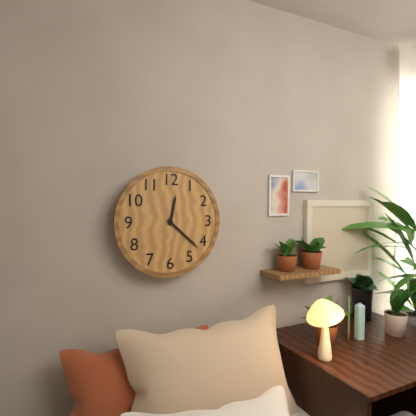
**12:22**
